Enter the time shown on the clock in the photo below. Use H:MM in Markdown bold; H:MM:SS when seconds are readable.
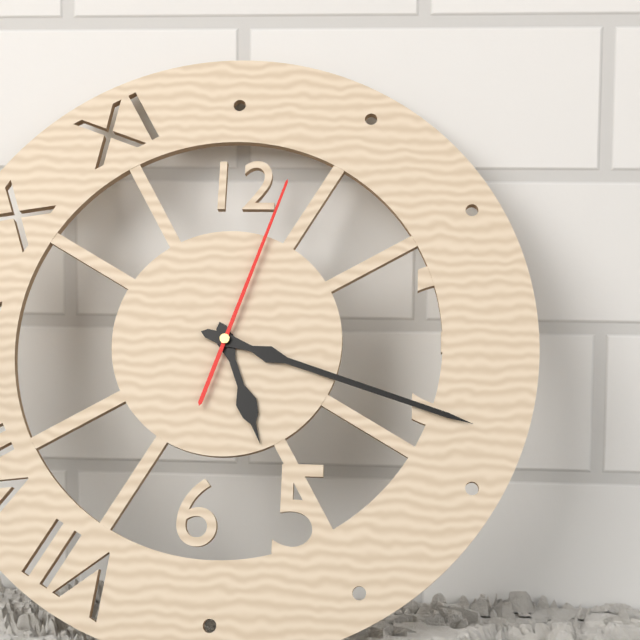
**5:18:03**
